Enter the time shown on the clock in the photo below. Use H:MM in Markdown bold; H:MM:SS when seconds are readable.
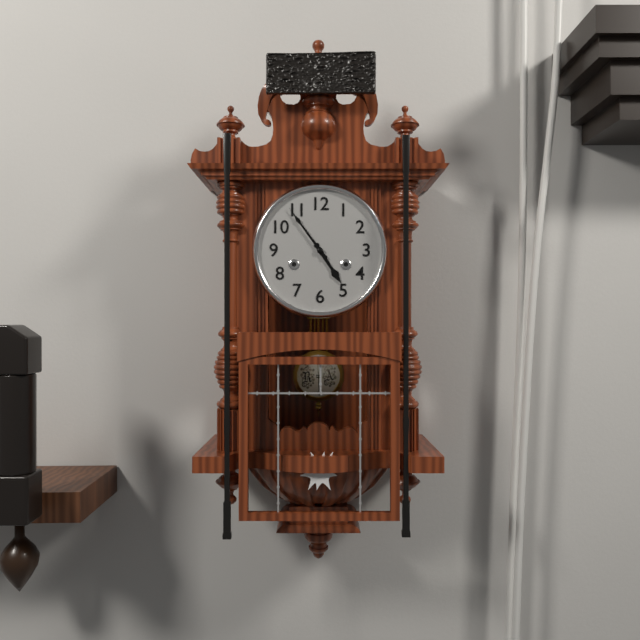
**4:54**
